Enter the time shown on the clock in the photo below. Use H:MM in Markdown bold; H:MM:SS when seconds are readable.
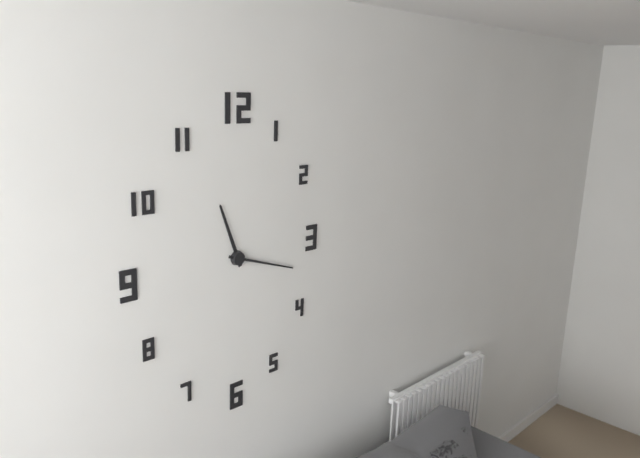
**11:18**
